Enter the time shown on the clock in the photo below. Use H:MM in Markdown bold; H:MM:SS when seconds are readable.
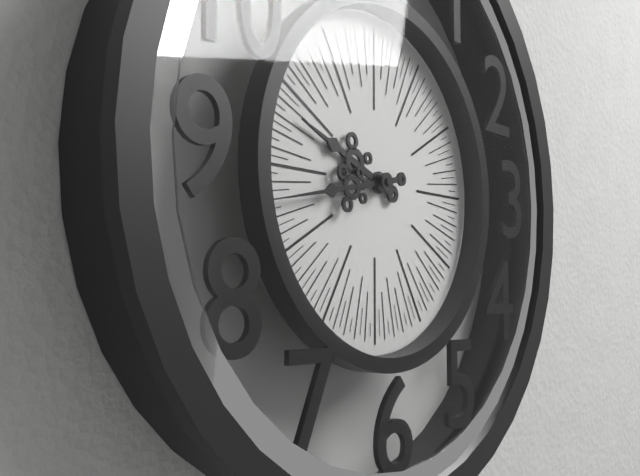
**9:43**
